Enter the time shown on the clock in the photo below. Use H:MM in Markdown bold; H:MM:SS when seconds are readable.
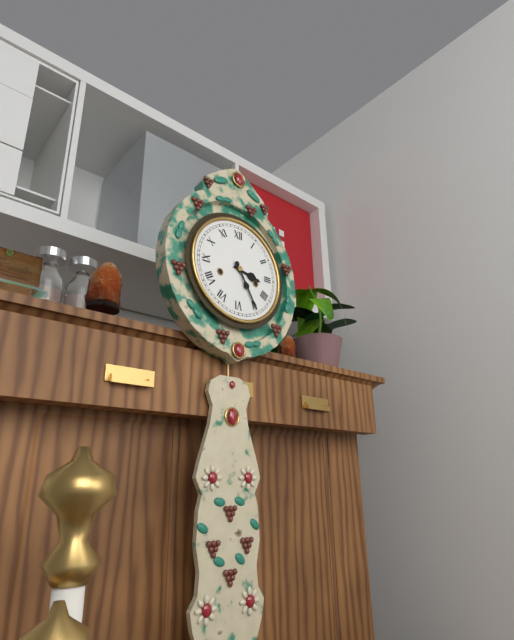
**3:25**
